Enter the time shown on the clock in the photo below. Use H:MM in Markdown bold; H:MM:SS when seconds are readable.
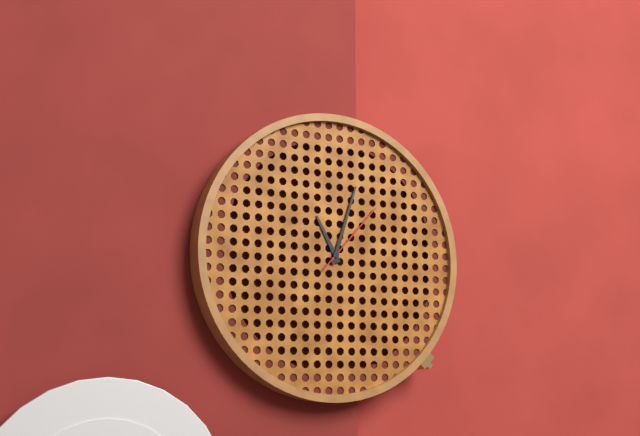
**11:03:07**
